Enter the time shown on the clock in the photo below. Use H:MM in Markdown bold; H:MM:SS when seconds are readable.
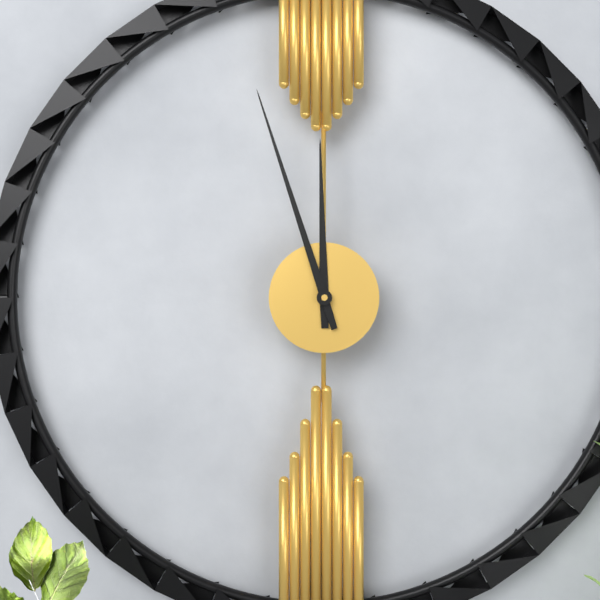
**11:57**
